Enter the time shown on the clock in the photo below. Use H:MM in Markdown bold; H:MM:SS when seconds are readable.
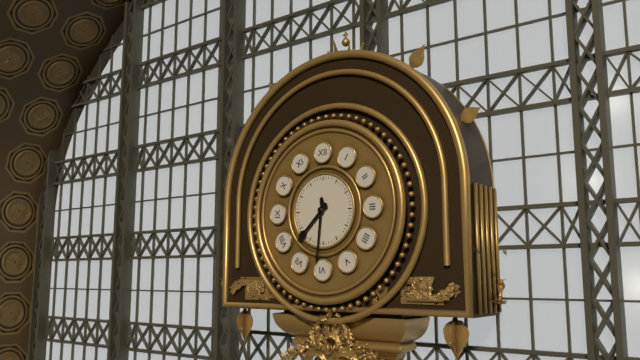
**7:31**
